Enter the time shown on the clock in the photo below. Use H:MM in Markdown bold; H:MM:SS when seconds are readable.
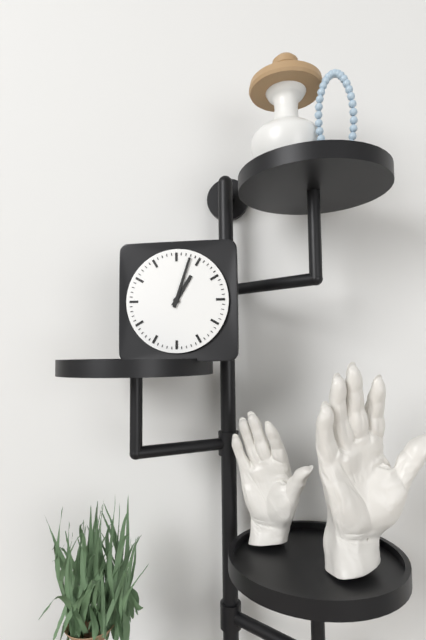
**1:03**
